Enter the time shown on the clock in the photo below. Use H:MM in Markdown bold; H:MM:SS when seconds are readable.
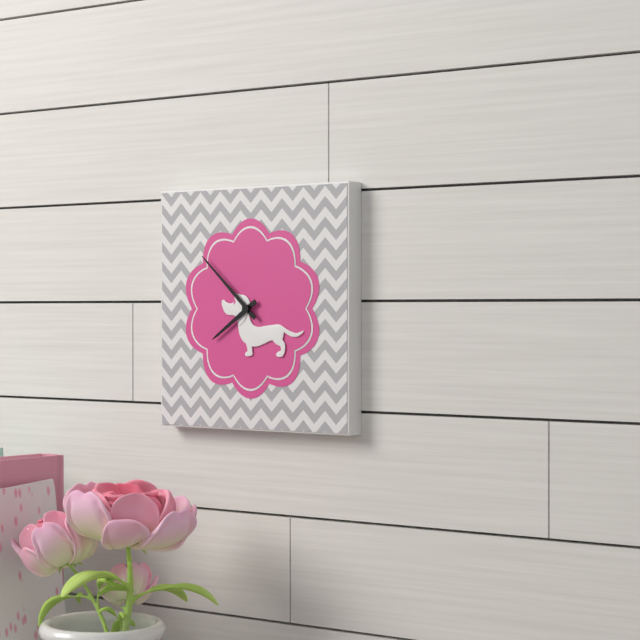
**7:52**
